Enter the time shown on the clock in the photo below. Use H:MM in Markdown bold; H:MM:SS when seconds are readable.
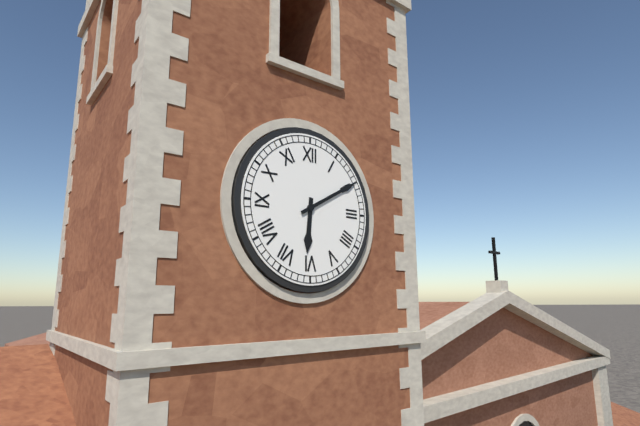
**6:10**
